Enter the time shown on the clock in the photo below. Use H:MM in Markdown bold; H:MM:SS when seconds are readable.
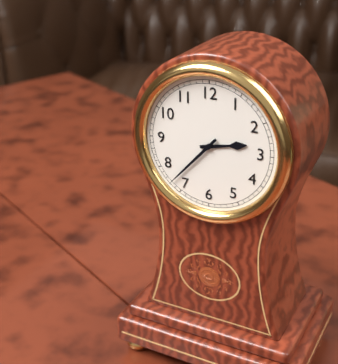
**2:37**
